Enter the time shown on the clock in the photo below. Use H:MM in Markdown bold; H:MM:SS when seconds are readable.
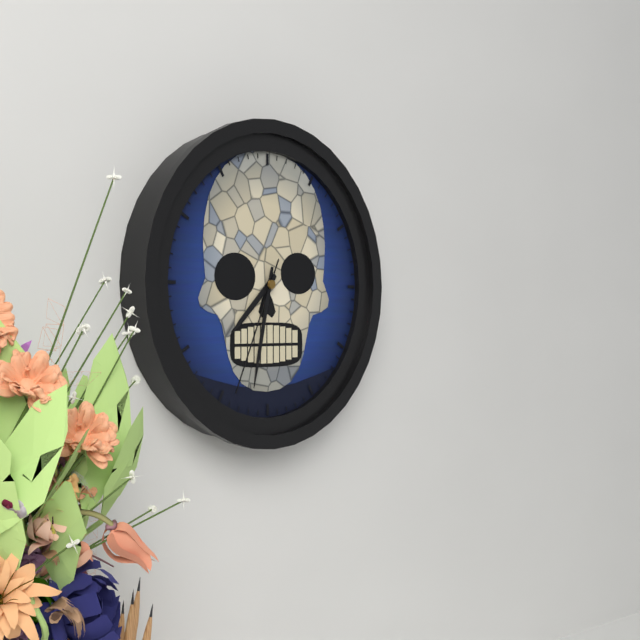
**7:32:34**
